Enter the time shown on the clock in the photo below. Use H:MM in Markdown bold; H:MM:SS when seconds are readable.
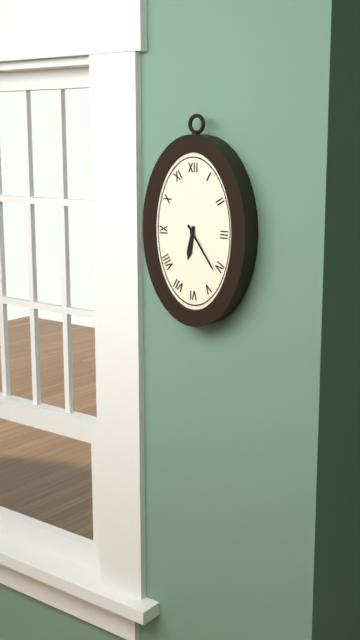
**6:24**
